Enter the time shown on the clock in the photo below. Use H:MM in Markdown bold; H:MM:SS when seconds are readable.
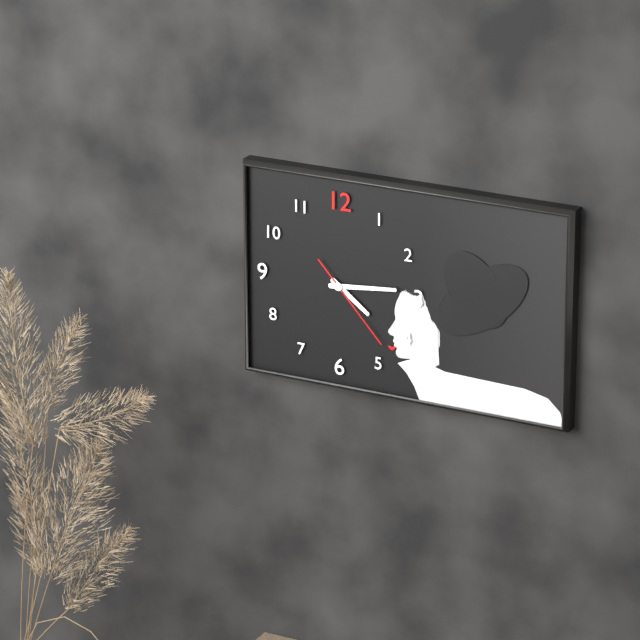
**4:14:23**
